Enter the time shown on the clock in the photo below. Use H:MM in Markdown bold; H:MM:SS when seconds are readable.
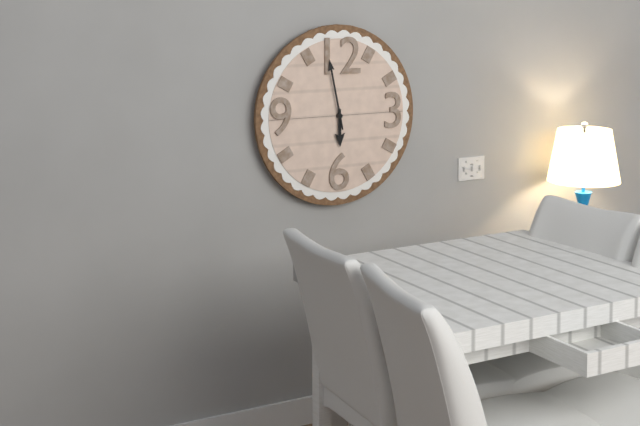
**5:58**
